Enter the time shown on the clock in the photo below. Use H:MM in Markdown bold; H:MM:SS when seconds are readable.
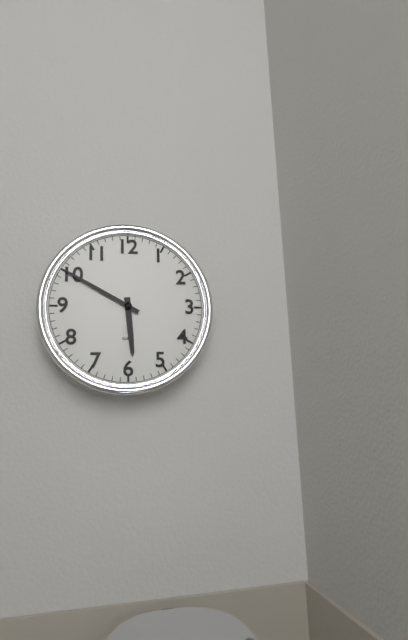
**5:50**
